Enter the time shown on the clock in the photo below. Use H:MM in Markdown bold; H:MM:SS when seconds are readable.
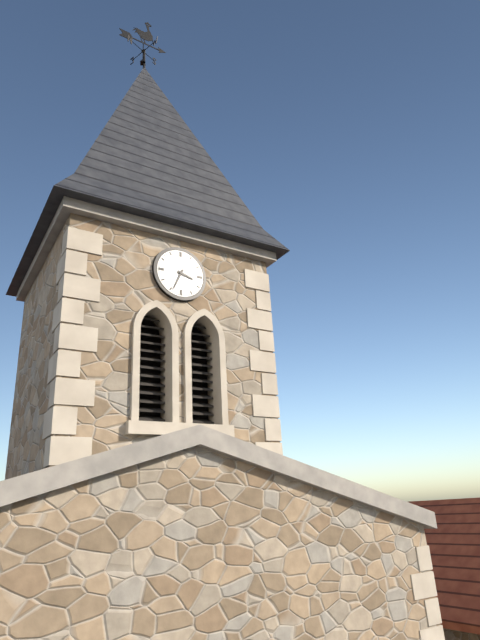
**3:34**
